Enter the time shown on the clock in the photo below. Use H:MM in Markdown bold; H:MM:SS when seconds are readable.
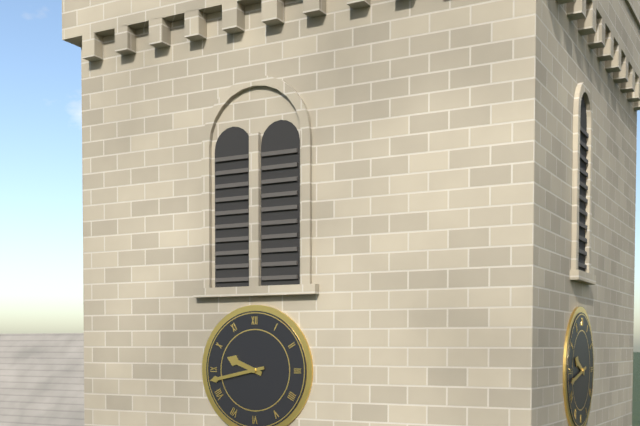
**9:43**
